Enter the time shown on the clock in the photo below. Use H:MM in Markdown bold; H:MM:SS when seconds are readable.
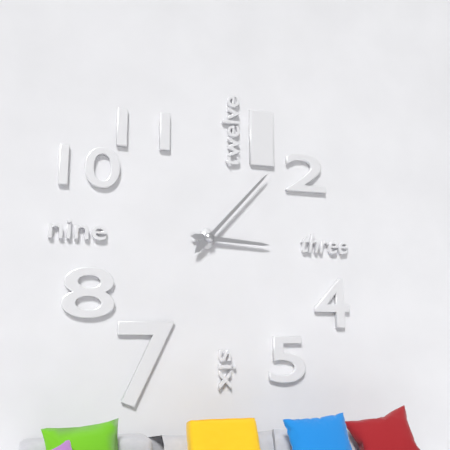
**3:07**
